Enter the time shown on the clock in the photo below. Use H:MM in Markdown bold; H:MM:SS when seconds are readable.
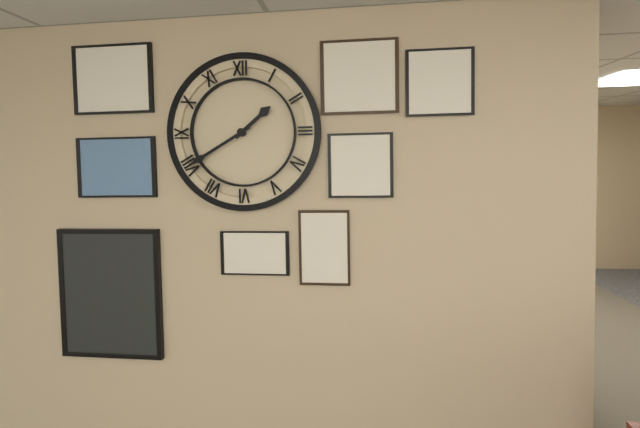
**1:40**
